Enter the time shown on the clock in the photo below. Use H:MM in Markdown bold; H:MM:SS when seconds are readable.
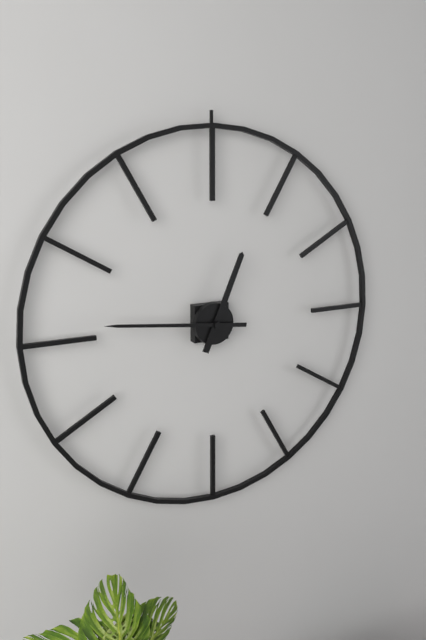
**12:46**
